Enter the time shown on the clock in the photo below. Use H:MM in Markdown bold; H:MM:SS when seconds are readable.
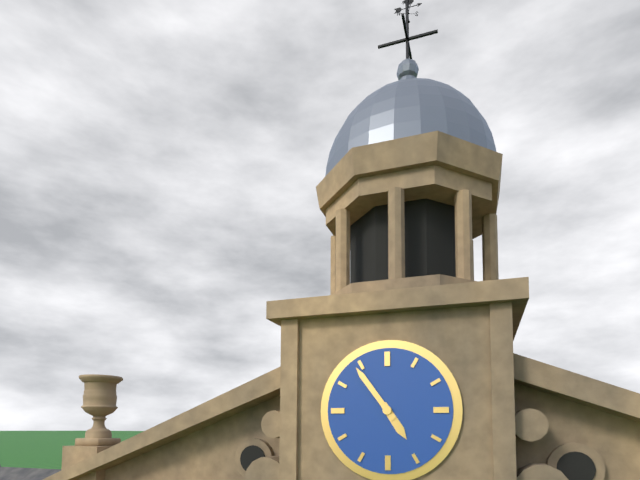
**4:54**
